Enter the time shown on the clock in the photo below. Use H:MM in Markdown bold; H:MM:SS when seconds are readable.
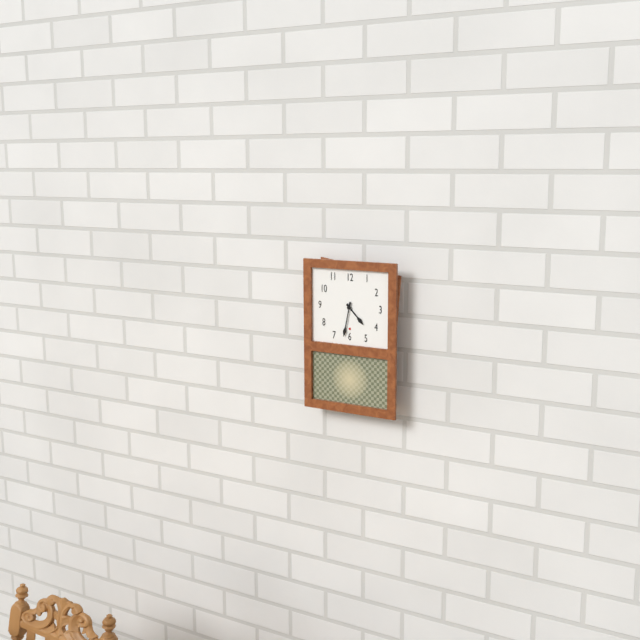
**4:32**
